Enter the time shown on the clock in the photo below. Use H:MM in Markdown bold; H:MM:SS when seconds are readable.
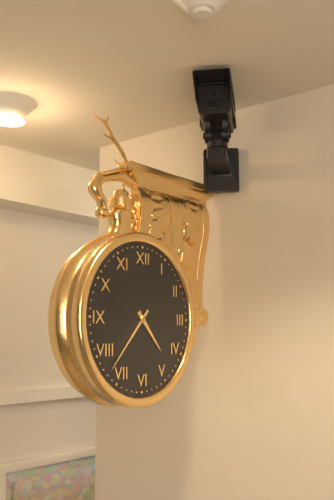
**4:37**
